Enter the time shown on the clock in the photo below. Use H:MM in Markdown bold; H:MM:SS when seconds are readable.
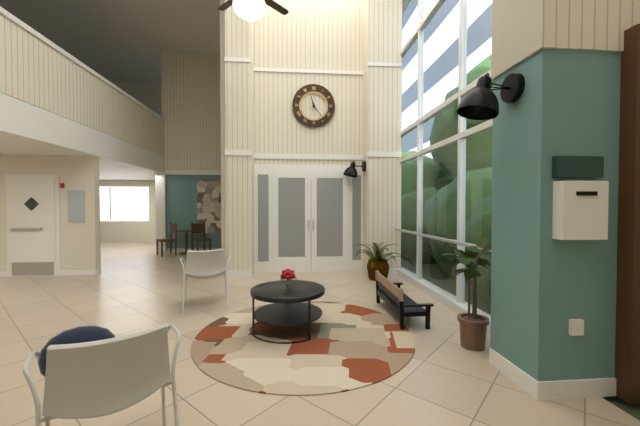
**11:24**
